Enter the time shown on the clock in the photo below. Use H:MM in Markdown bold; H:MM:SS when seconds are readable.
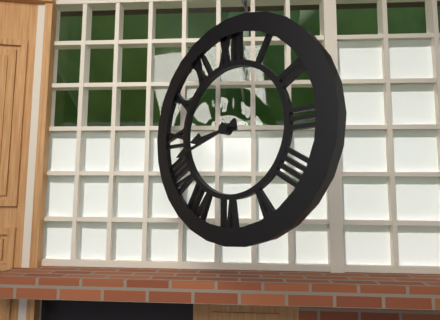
**8:42**
